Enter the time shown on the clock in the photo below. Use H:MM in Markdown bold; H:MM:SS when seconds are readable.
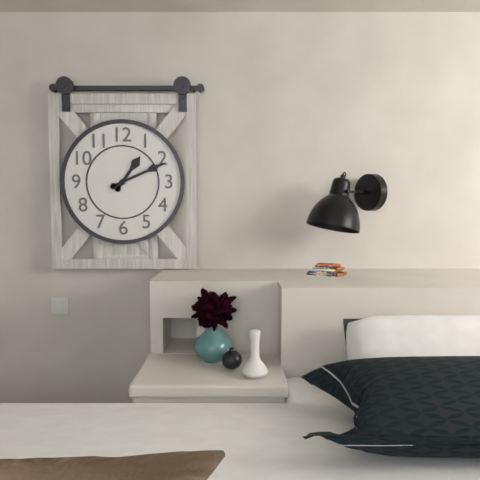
**1:11**
